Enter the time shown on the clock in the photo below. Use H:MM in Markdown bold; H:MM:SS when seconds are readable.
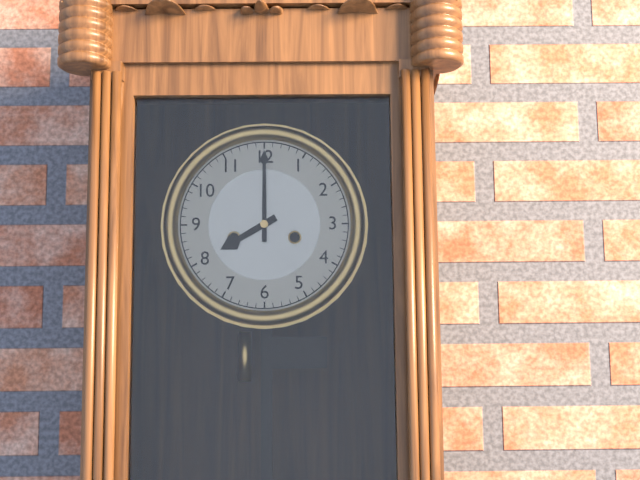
**8:00**
